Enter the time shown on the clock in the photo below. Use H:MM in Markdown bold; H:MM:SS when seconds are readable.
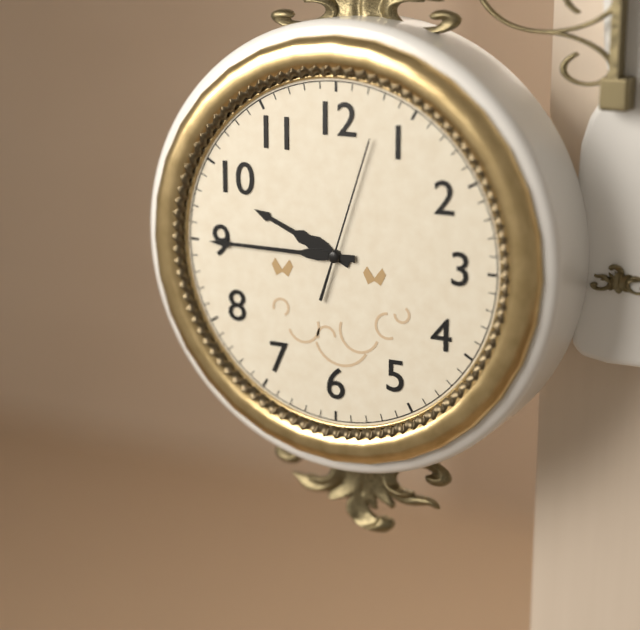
**9:45:03**
